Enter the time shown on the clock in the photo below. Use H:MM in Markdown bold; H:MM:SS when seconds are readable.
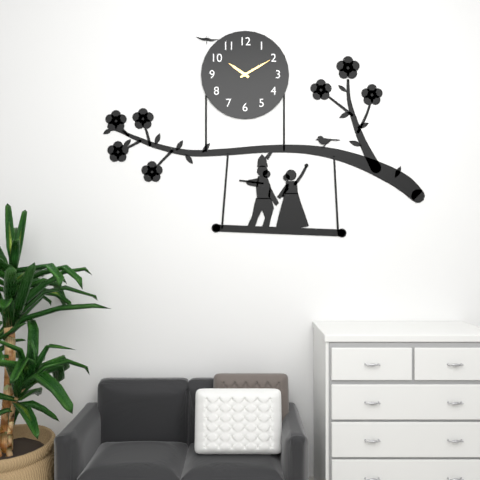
**10:10**
